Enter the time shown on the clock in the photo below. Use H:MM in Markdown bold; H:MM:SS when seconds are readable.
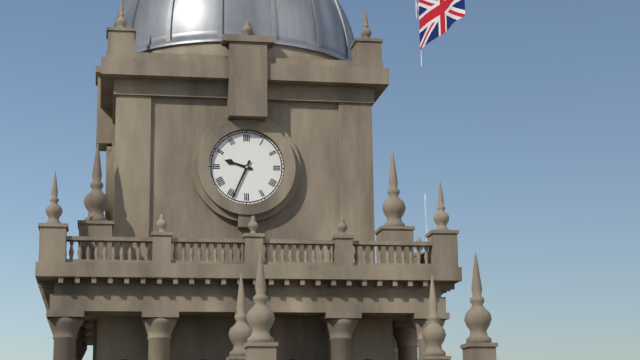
**9:34**
